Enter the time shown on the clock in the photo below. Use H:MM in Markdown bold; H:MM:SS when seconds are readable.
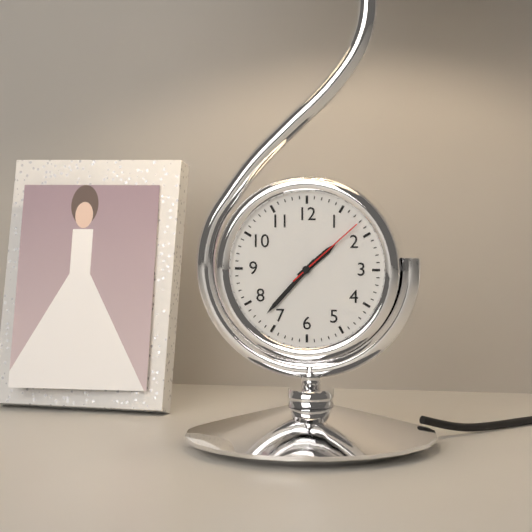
**1:37:08**
